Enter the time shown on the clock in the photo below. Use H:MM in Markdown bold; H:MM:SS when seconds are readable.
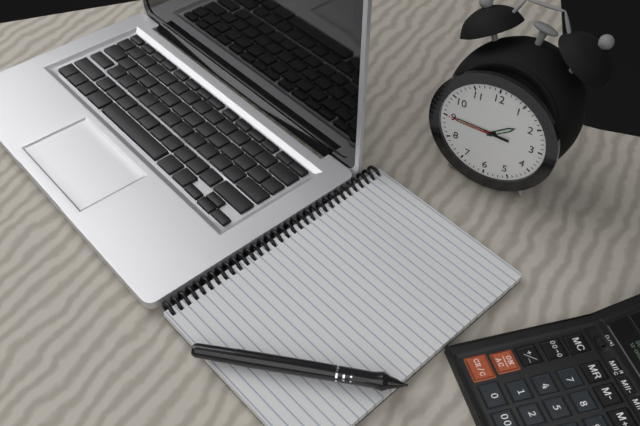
**1:45:45**
